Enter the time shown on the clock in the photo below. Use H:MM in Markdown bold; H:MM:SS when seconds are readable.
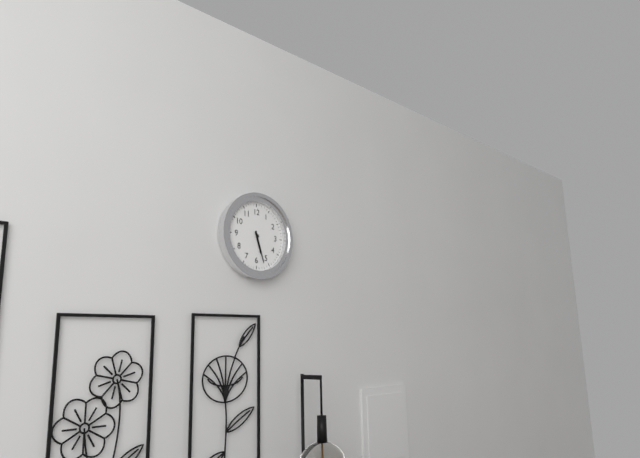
**5:27**
